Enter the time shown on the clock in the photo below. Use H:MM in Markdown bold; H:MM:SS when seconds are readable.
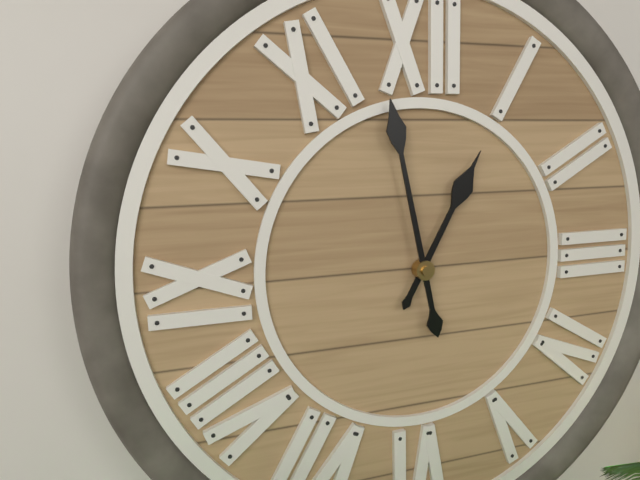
**12:58**
